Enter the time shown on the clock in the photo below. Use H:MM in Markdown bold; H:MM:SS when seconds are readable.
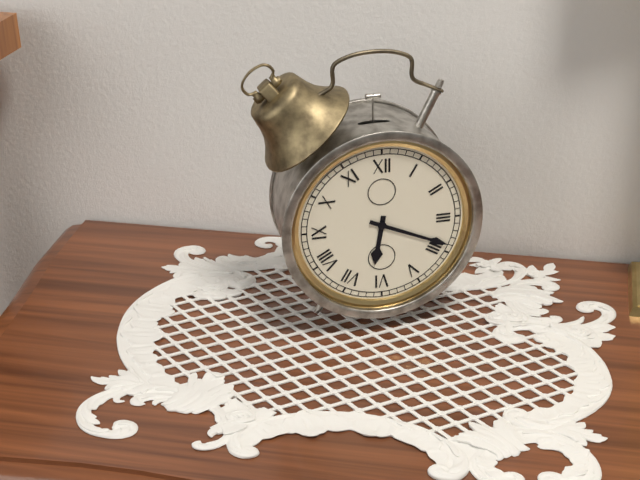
**6:19**
